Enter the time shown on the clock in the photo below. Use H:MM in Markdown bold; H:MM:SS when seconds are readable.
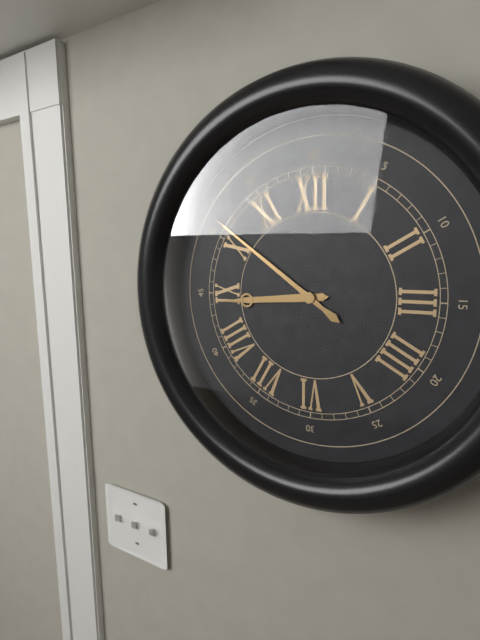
**8:51**
